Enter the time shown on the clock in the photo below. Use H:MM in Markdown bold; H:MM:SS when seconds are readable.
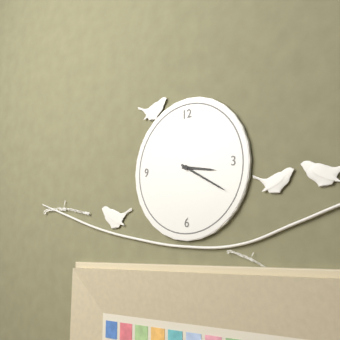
**3:20**
